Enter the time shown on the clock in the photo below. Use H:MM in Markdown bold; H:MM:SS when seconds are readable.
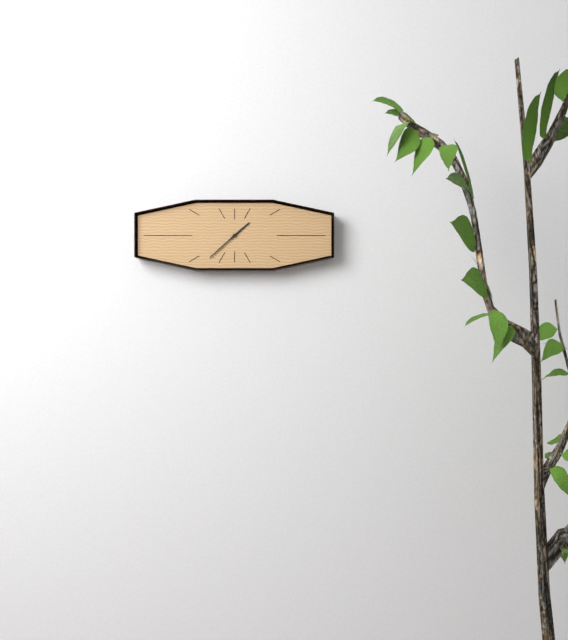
**1:38**
